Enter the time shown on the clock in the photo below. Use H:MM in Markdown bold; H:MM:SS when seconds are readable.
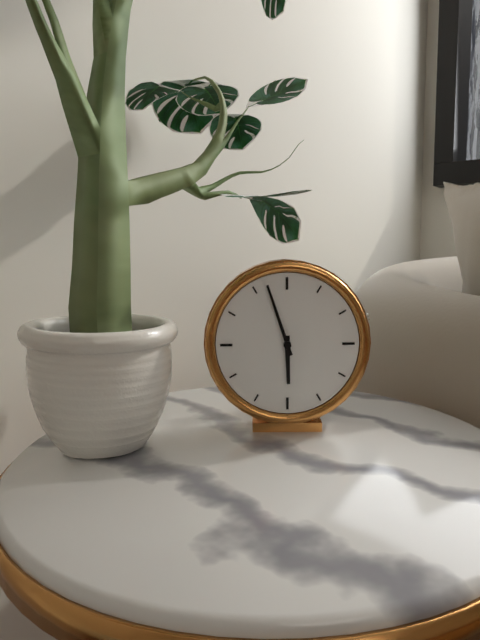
**5:57**
